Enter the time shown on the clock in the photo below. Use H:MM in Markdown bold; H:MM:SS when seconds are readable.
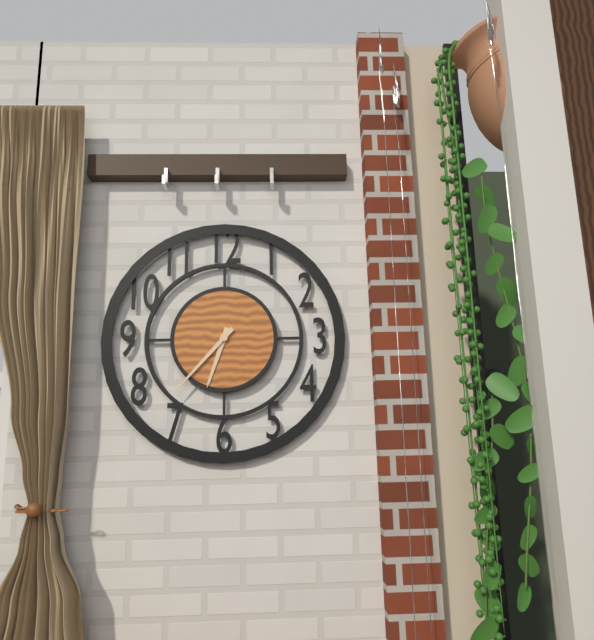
**6:37**
